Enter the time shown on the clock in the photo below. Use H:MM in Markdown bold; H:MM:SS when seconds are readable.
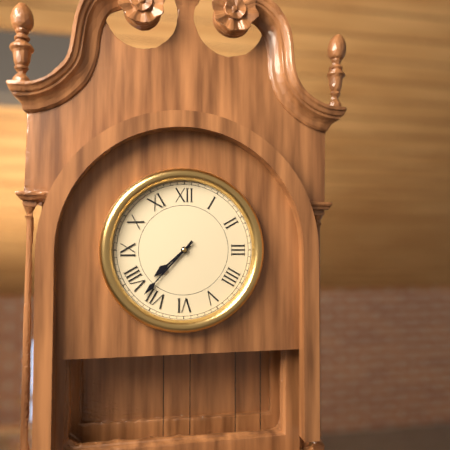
**7:37**
